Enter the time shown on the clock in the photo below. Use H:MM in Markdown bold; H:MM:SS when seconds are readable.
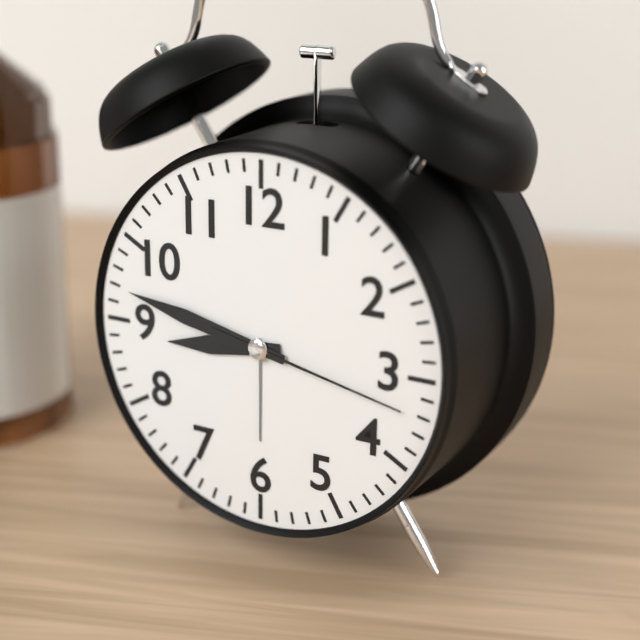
**8:47:17**
